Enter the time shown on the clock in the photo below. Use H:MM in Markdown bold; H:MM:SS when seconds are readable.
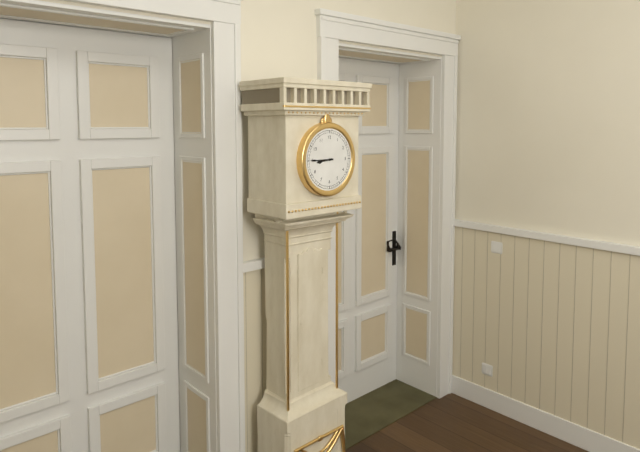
**8:45**
